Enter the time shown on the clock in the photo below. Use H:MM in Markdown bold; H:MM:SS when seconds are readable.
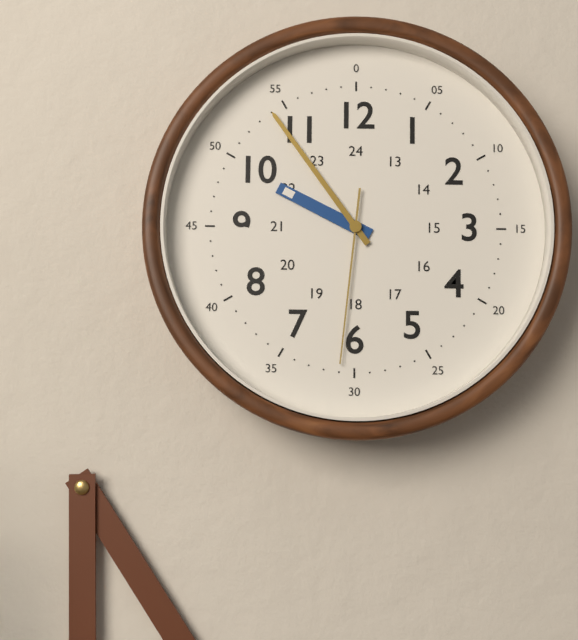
**9:54:31**
